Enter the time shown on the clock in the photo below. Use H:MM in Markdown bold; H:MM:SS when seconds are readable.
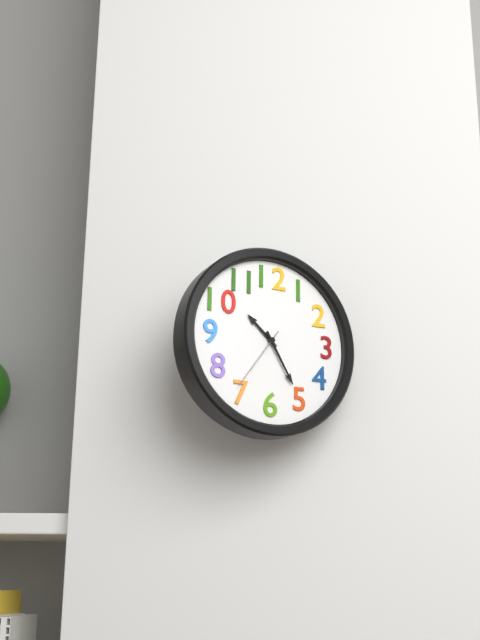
**10:25:36**
